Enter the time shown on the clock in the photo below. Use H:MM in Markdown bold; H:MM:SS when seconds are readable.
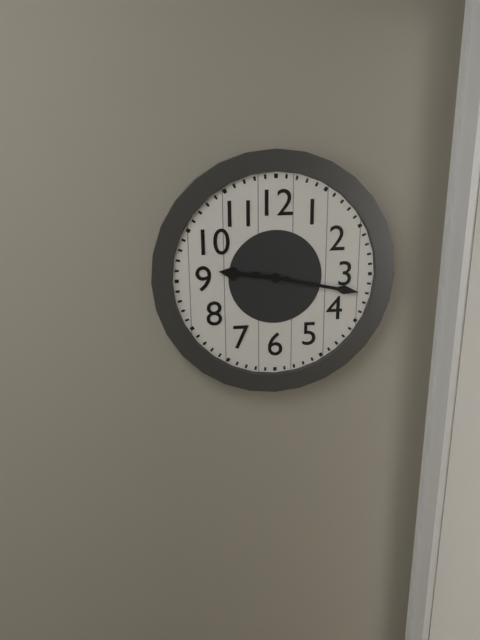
**9:17**
